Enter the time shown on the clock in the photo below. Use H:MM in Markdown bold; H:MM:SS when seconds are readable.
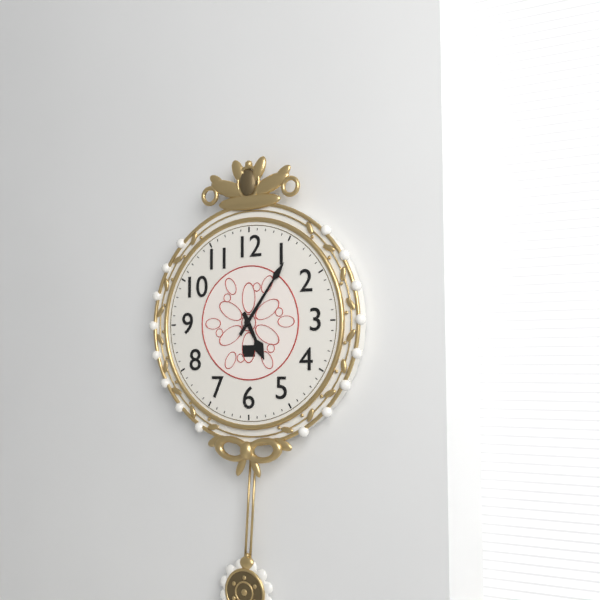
**5:06**
